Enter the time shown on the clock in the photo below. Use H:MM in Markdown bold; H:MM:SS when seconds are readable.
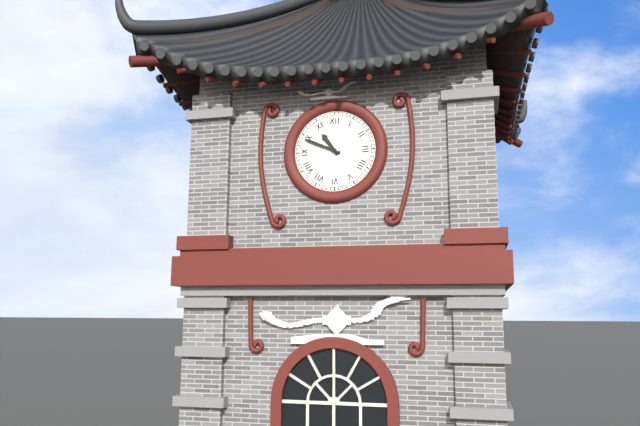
**10:49**
